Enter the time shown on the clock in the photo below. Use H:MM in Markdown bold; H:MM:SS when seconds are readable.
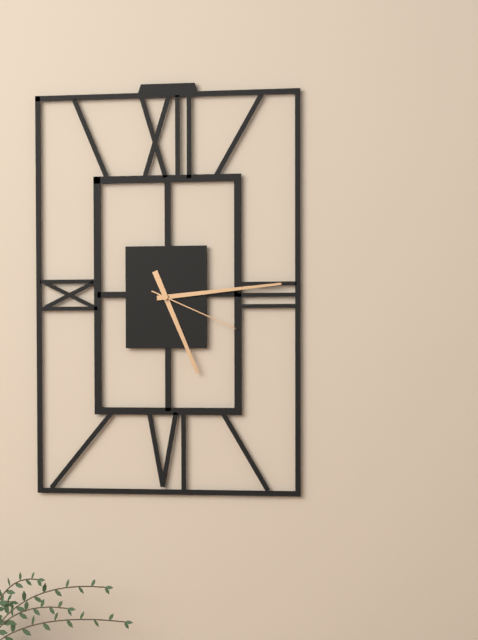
**5:14:19**
